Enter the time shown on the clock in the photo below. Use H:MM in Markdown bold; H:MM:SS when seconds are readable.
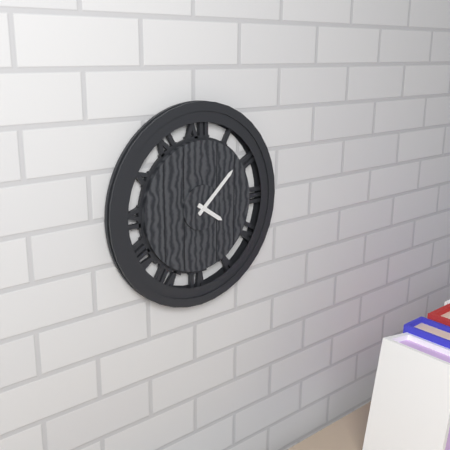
**4:08**
